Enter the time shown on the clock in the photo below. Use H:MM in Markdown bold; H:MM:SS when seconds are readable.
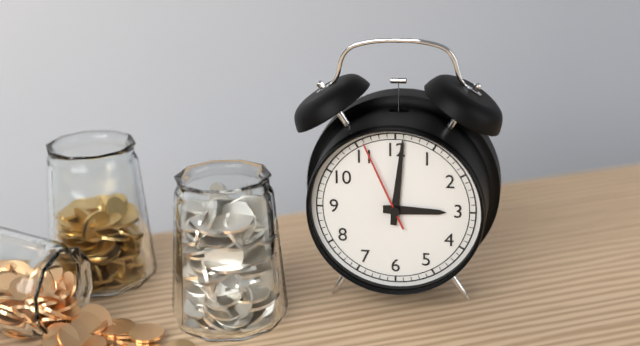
**3:01:56**
